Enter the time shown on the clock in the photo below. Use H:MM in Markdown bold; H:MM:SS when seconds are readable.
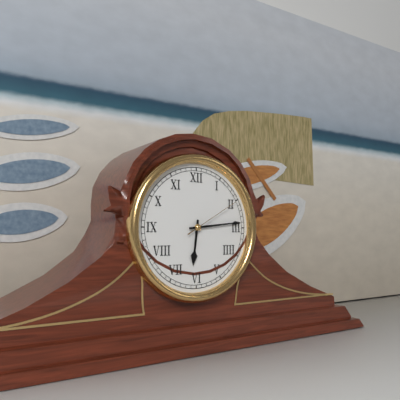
**6:14:10**
